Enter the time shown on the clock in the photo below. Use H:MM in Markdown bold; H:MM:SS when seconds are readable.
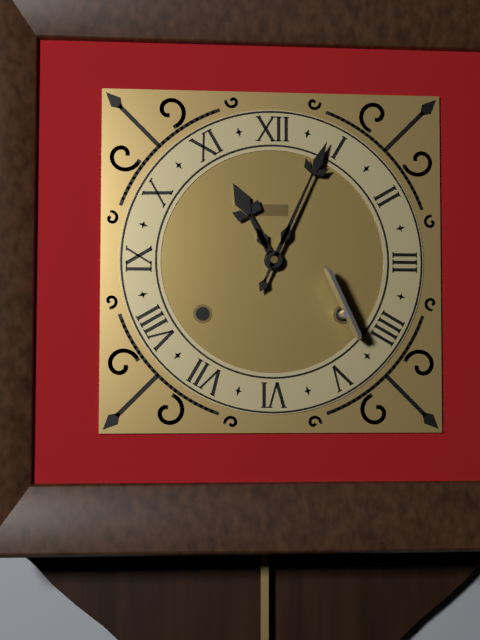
**11:04**
